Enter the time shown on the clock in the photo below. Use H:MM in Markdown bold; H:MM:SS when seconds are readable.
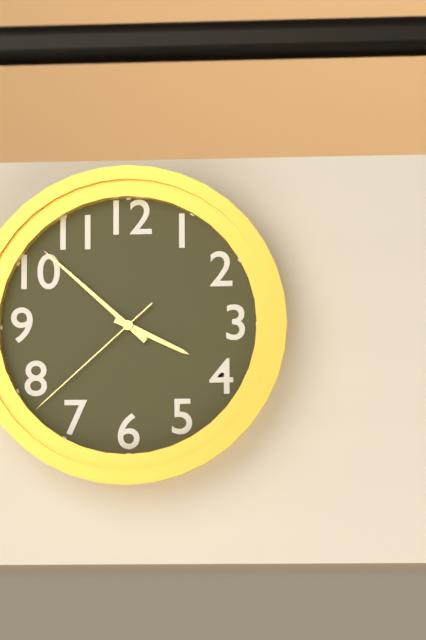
**3:52:38**
